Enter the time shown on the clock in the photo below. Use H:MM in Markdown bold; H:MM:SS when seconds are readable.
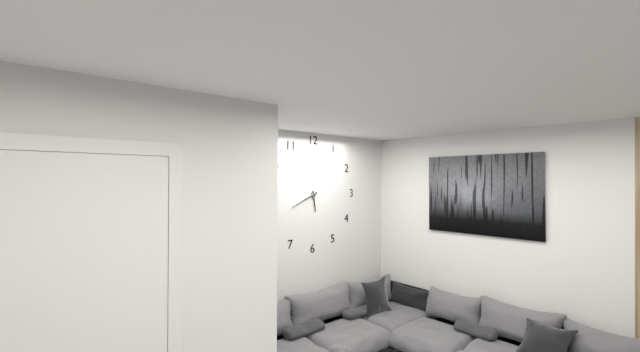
**5:41**
